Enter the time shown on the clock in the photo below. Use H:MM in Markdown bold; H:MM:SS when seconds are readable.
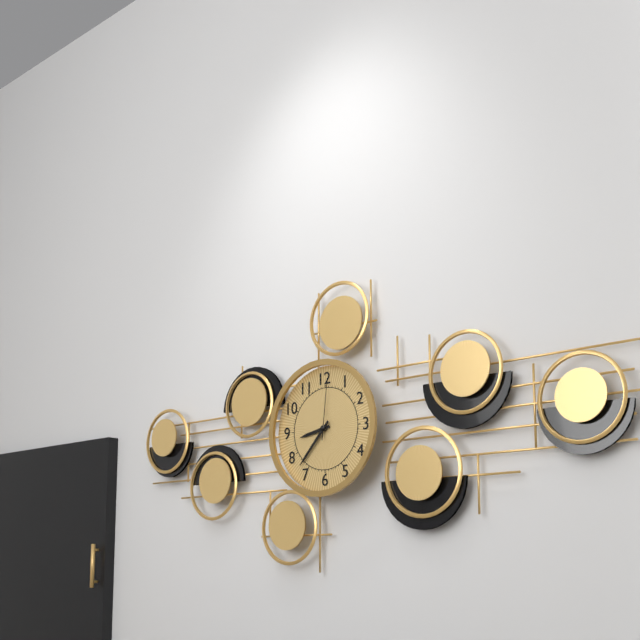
**8:37:01**
